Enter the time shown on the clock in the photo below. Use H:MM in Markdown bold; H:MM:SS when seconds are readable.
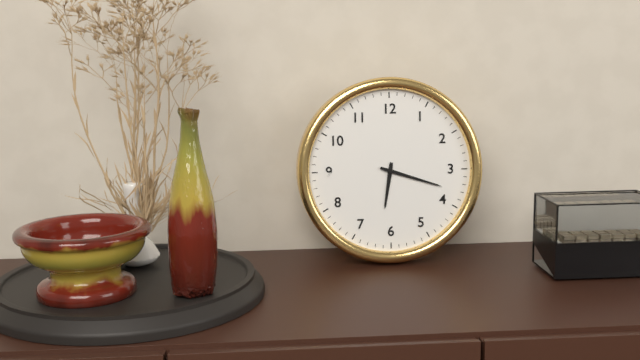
**6:18**
